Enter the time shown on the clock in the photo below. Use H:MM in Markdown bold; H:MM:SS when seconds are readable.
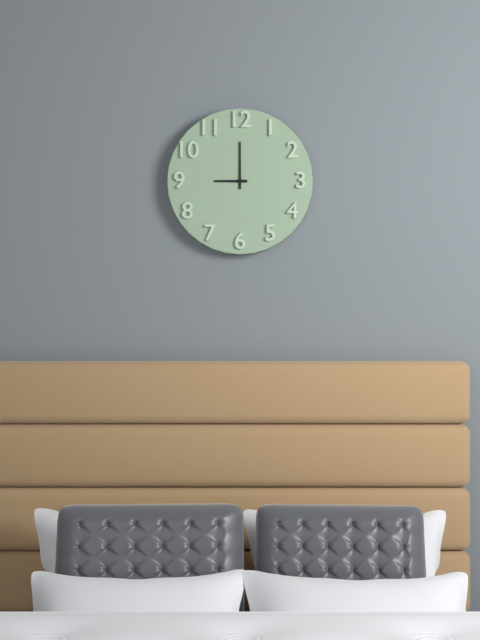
**9:00**
